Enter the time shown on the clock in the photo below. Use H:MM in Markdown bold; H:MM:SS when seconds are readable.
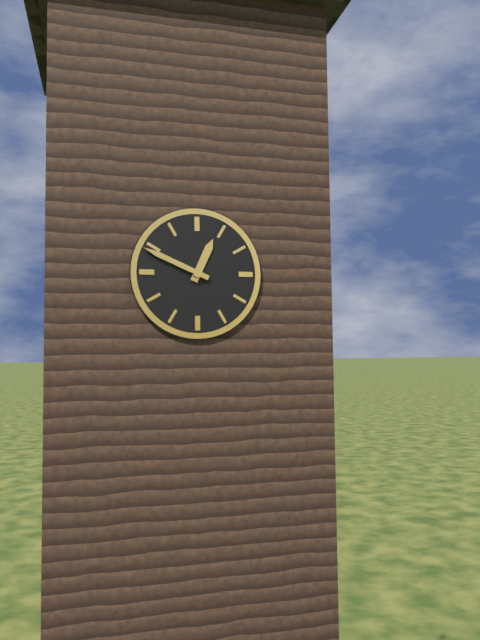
**12:49**
